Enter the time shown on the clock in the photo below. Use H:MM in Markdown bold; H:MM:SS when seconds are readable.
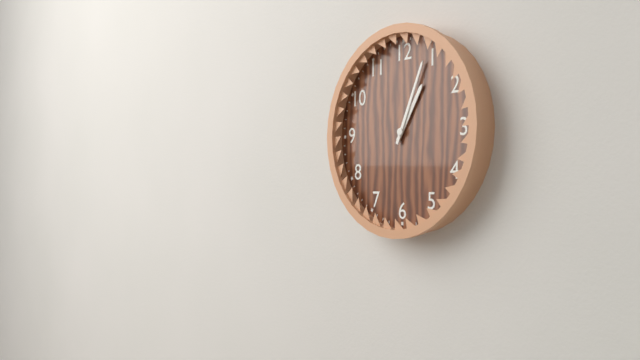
**1:04**
